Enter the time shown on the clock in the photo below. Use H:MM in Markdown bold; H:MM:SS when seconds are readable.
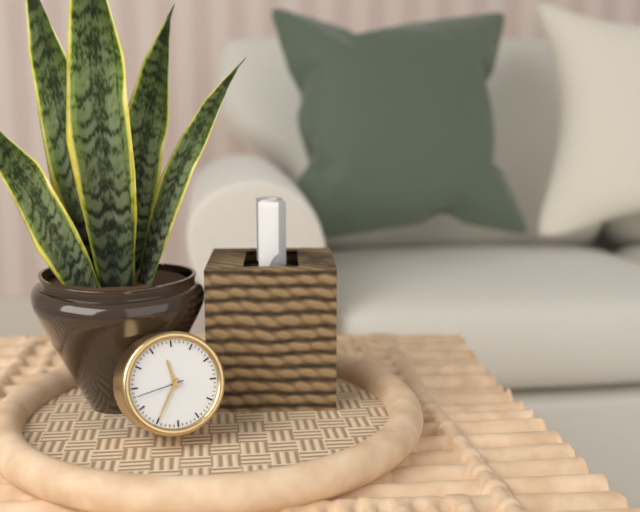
**11:35:43**
